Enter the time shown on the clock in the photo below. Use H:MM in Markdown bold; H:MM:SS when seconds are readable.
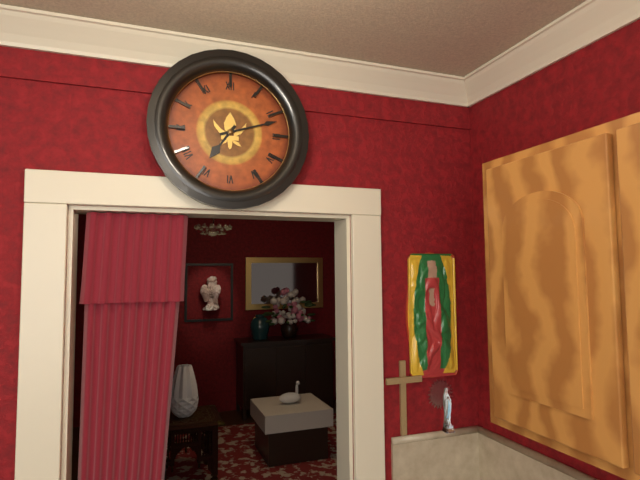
**7:12**
